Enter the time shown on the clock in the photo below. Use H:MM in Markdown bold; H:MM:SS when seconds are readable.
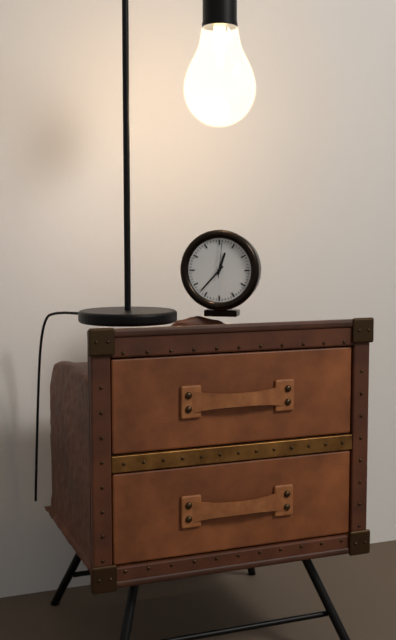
**12:37**
